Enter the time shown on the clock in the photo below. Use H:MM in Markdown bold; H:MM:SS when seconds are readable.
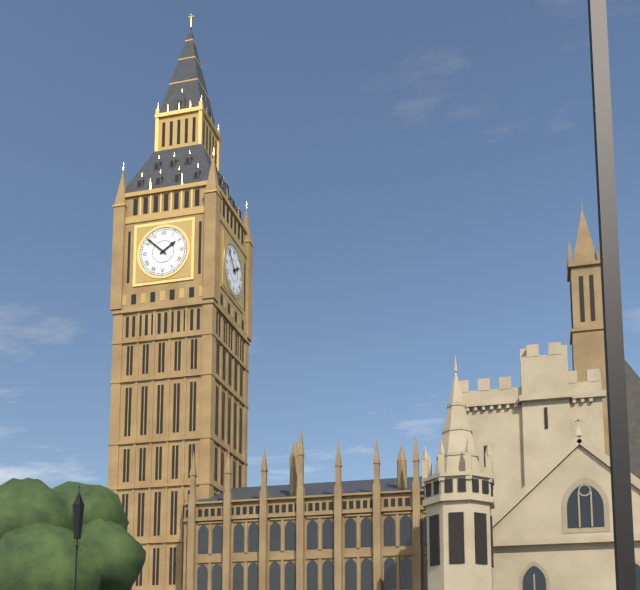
**1:52**
